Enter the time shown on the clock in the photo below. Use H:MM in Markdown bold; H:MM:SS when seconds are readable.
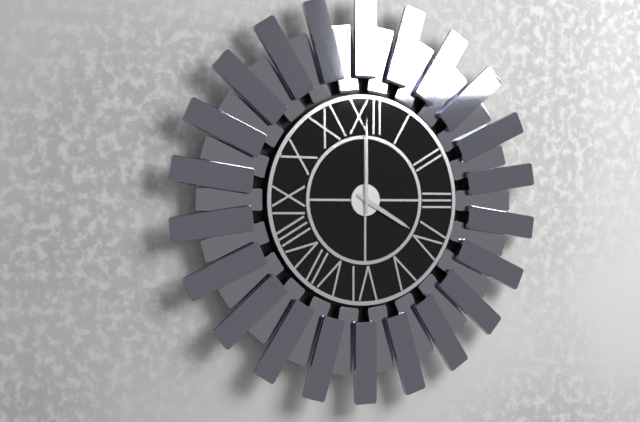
**4:00**
